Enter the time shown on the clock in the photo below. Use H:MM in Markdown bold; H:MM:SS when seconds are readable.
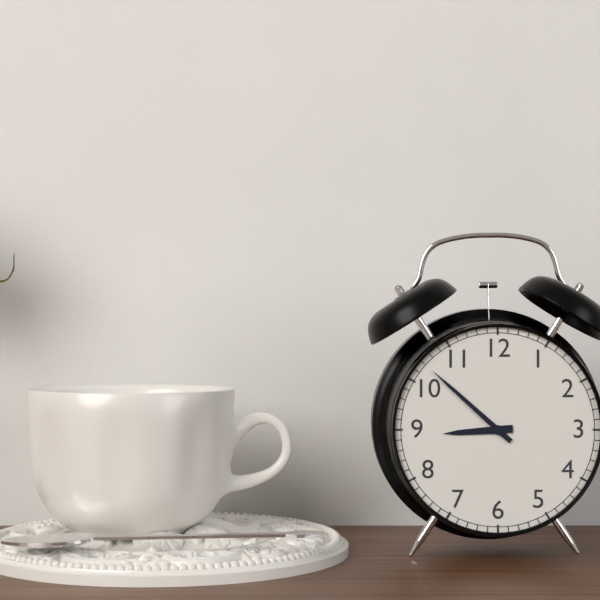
**8:52**
